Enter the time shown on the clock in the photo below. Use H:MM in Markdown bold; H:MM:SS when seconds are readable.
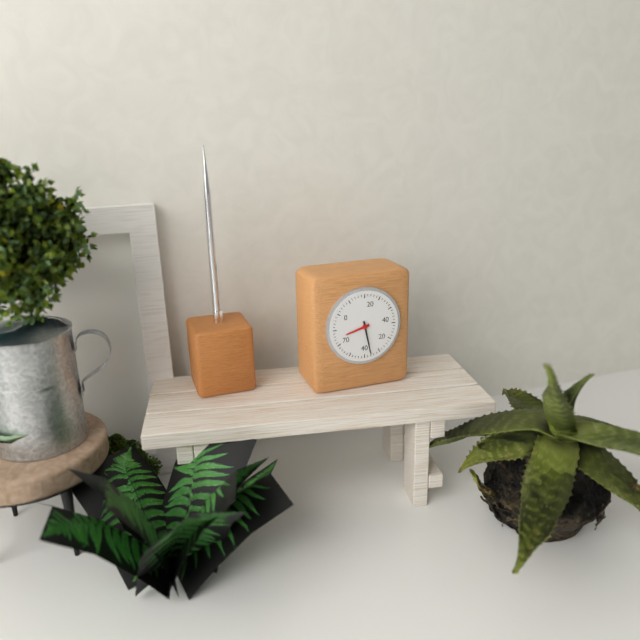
**8:28**
